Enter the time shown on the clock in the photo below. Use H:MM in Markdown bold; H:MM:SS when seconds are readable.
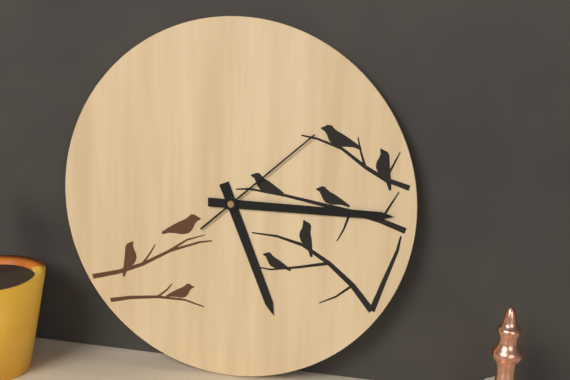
**5:15:08**
